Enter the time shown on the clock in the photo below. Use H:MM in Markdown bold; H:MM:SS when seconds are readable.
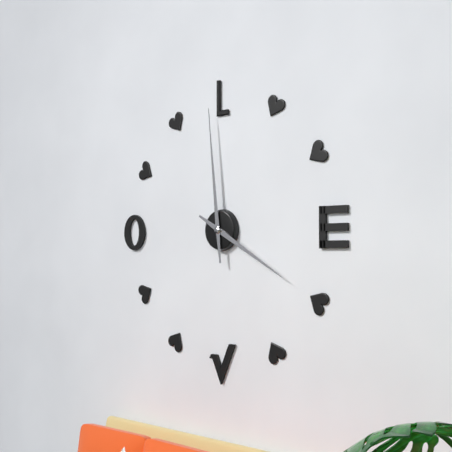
**3:59**
